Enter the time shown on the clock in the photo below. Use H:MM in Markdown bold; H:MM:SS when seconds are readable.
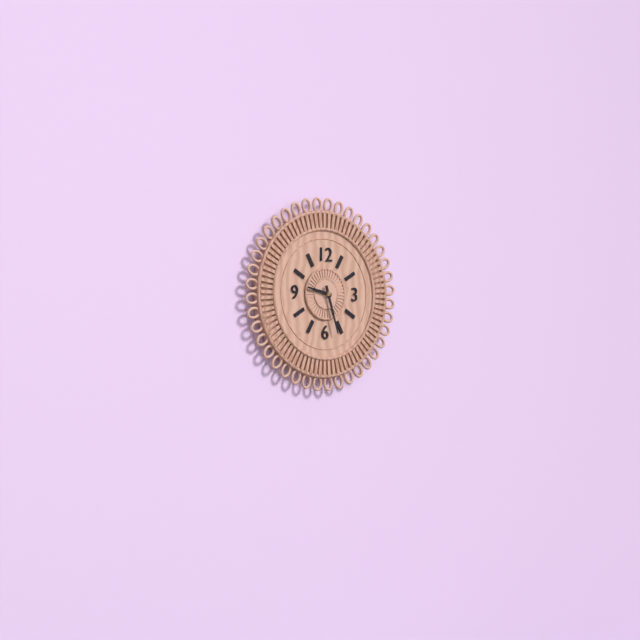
**9:27**
